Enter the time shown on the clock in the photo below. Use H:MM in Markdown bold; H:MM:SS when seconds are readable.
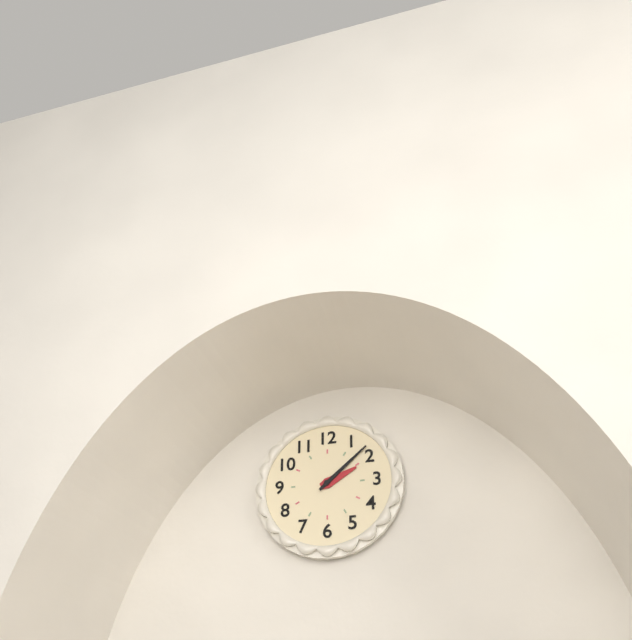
**2:08**
